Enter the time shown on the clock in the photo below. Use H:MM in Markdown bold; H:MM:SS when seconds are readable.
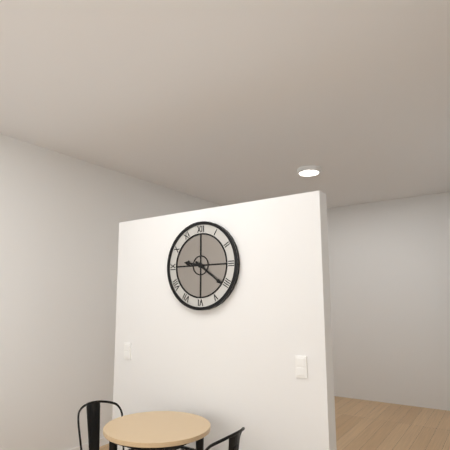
**9:21**
